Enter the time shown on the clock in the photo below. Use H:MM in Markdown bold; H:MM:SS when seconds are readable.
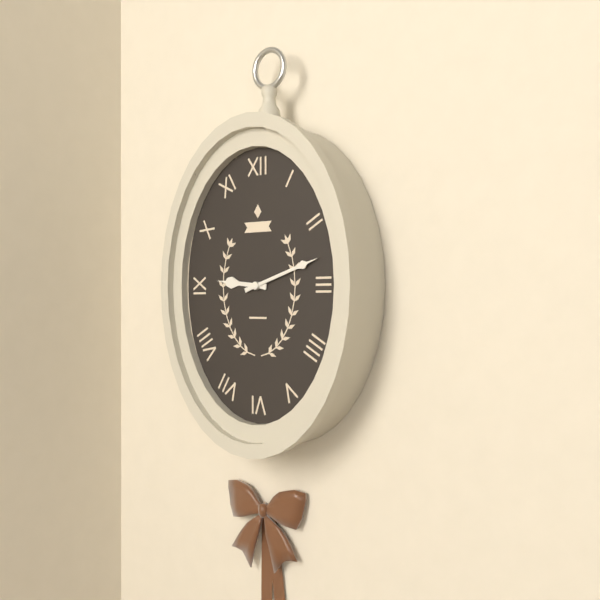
**9:12**
